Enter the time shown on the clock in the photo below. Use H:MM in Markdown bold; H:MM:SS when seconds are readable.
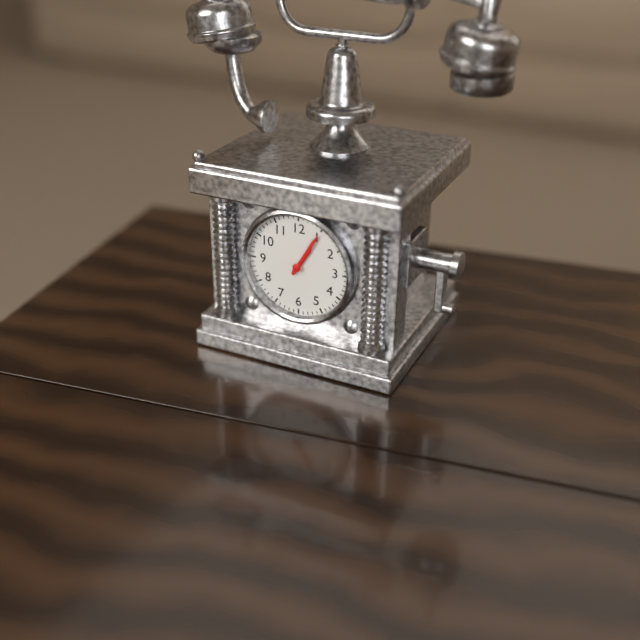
**1:05**
